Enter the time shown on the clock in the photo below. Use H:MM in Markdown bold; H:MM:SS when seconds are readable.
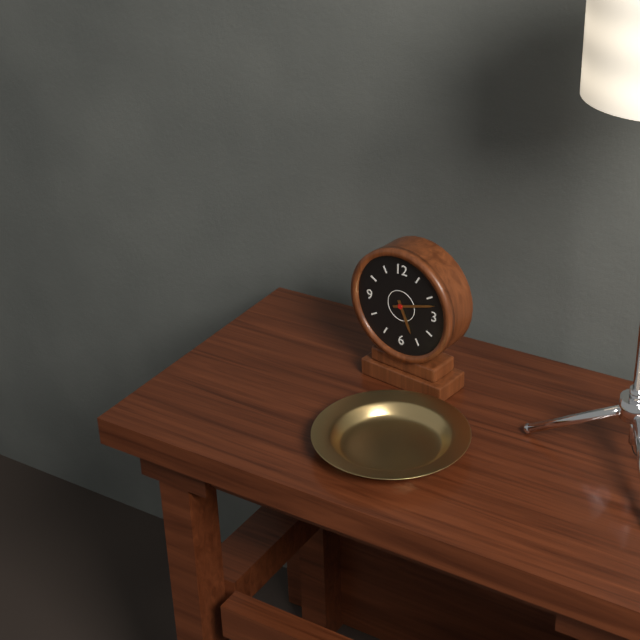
**5:12**
